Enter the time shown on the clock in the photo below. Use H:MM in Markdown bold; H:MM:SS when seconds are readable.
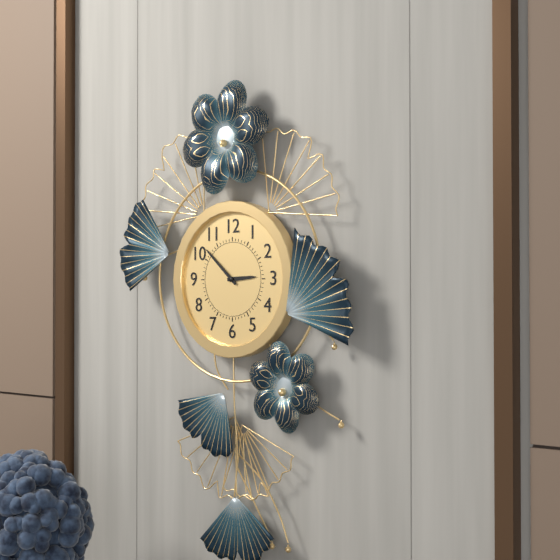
**2:52**
